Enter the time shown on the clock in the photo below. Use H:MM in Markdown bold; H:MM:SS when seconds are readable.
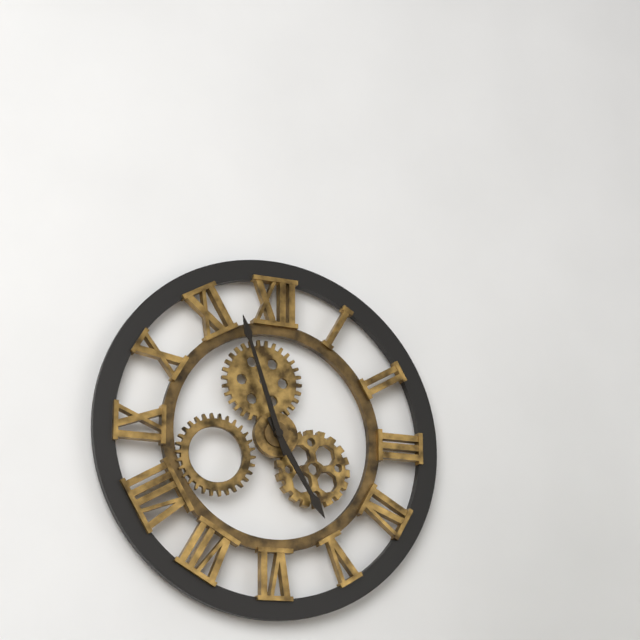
**4:57**
